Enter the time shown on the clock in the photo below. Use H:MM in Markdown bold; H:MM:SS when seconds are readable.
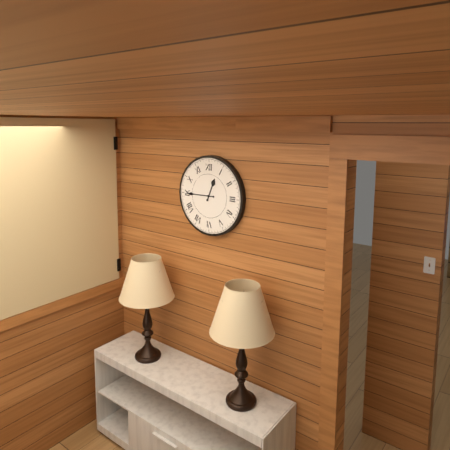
**12:45**
